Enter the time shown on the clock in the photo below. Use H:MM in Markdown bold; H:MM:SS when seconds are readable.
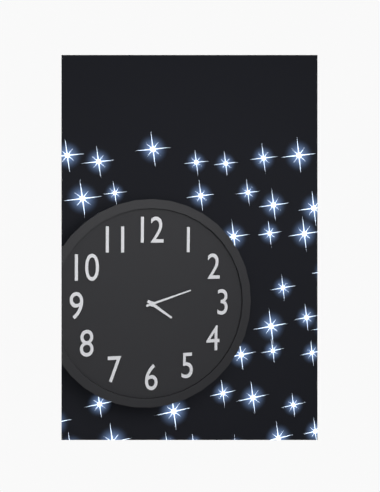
**4:12**
